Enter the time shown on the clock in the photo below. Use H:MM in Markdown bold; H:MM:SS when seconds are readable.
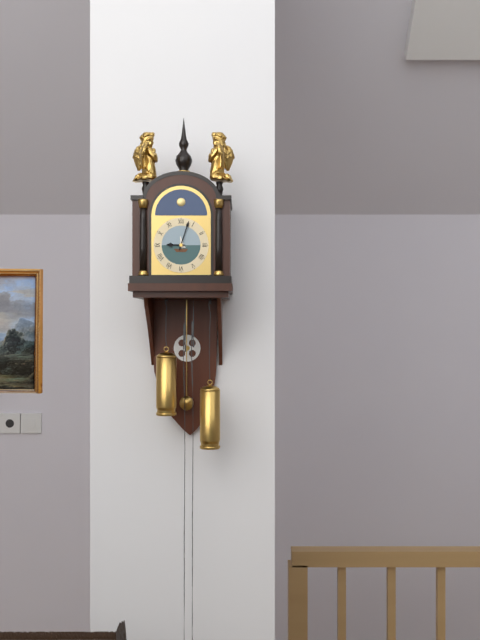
**9:03**
